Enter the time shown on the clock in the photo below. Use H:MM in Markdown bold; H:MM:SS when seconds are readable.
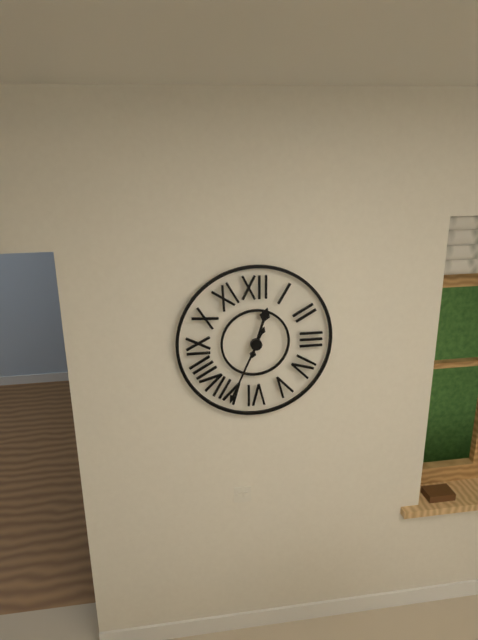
**12:34**
